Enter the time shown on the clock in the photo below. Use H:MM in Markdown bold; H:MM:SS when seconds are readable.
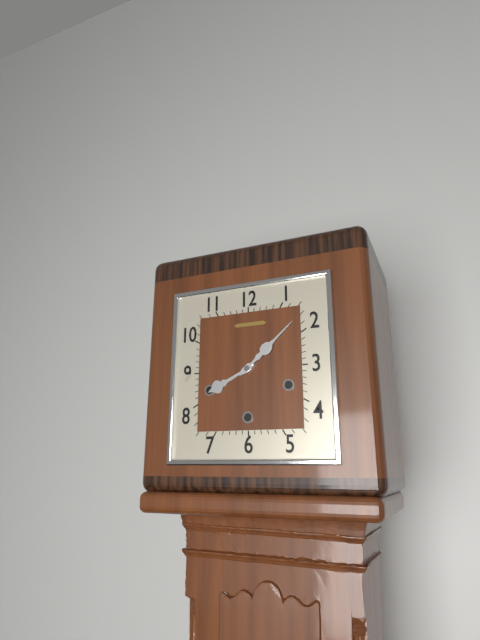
**8:08**
